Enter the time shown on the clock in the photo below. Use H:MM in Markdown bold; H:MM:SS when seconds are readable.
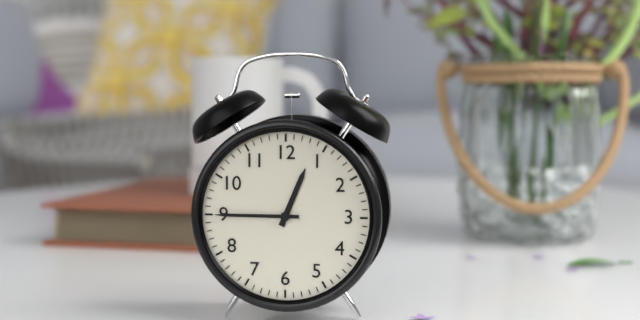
**12:45**
